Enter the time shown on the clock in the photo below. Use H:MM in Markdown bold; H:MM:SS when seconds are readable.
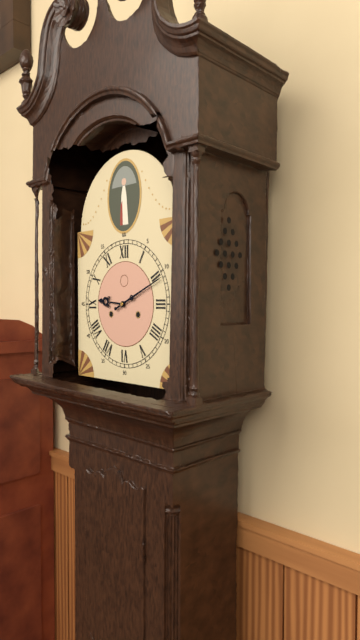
**9:11**
